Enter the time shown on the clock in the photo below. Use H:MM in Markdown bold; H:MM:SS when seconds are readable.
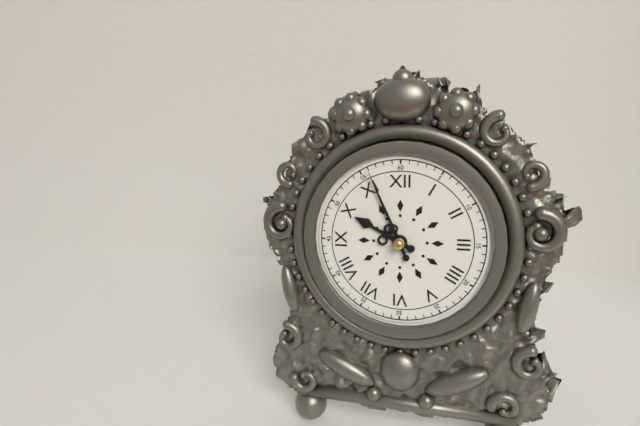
**9:56**
